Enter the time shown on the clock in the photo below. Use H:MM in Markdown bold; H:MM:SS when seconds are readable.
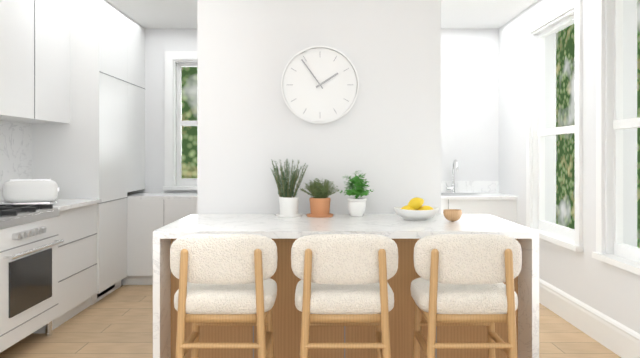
**1:54**
